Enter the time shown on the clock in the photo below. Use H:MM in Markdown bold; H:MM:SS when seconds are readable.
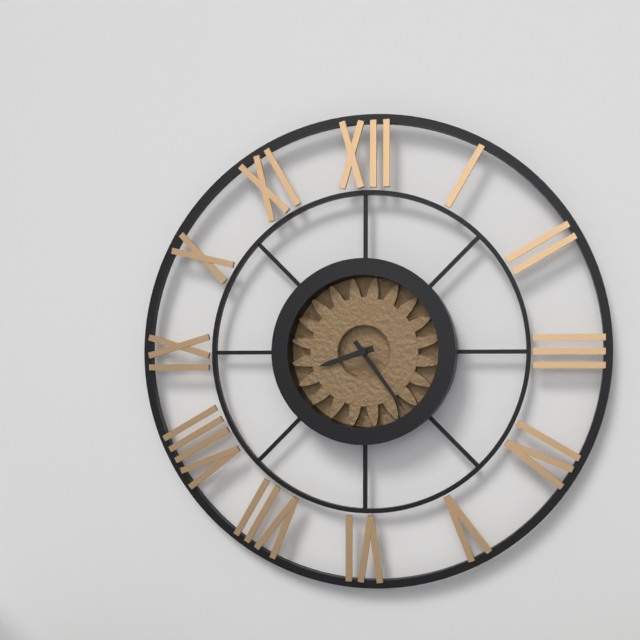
**8:24**
